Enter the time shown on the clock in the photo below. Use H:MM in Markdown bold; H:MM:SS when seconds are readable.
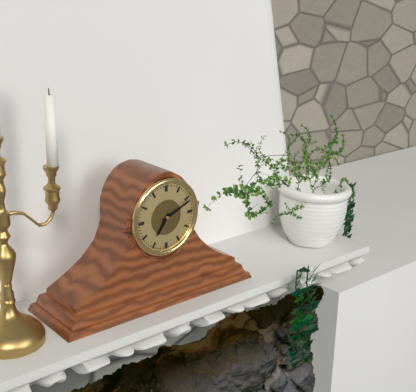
**7:11**
